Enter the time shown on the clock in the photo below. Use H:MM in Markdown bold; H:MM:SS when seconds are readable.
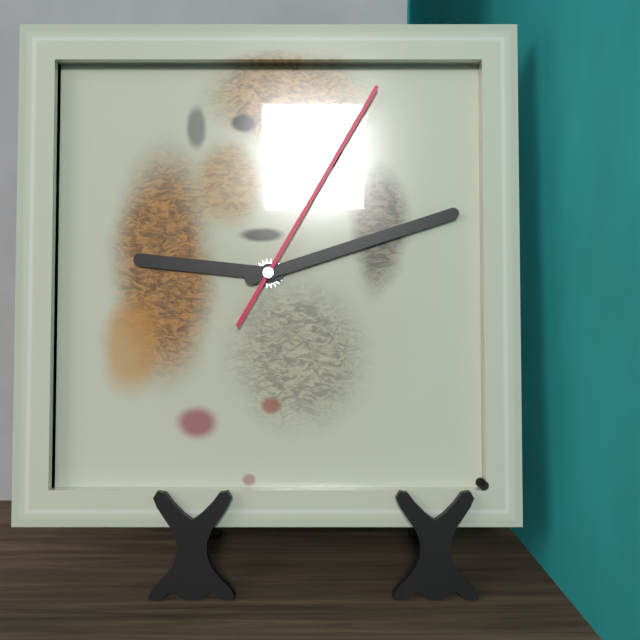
**9:12:05**
